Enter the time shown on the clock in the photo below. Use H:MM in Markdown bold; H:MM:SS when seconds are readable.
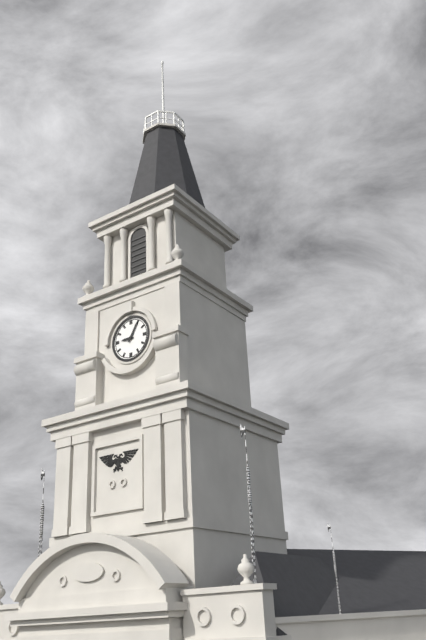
**9:05**
